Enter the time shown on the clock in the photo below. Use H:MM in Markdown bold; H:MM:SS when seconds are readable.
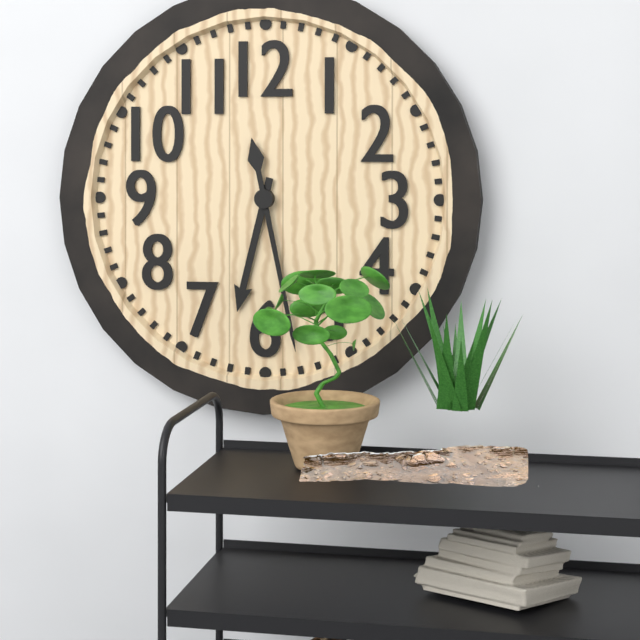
**6:28**
